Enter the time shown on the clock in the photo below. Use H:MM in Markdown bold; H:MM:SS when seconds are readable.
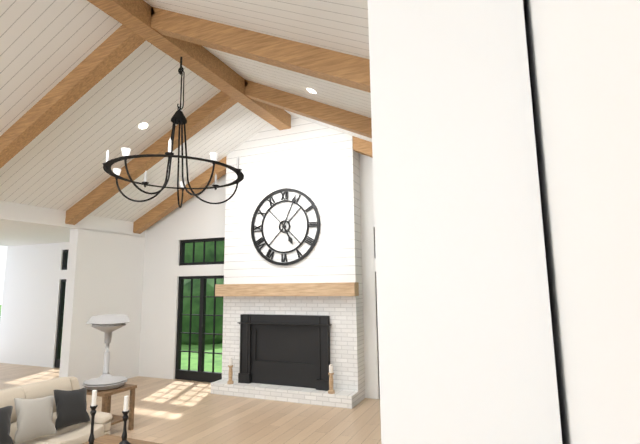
**5:04**
